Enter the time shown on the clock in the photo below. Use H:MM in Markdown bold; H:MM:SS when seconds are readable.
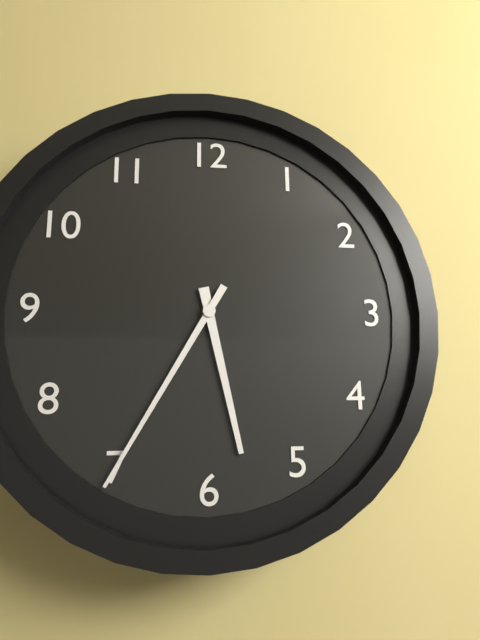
**5:35**
